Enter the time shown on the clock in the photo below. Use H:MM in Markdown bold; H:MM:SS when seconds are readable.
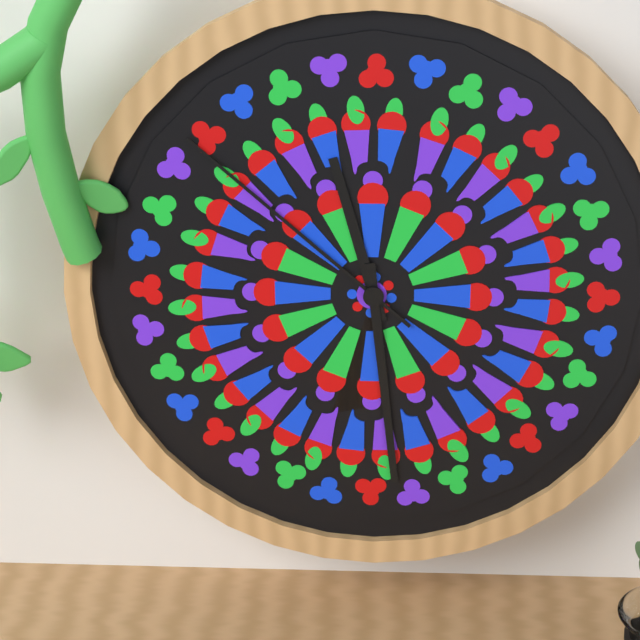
**11:29:52**
